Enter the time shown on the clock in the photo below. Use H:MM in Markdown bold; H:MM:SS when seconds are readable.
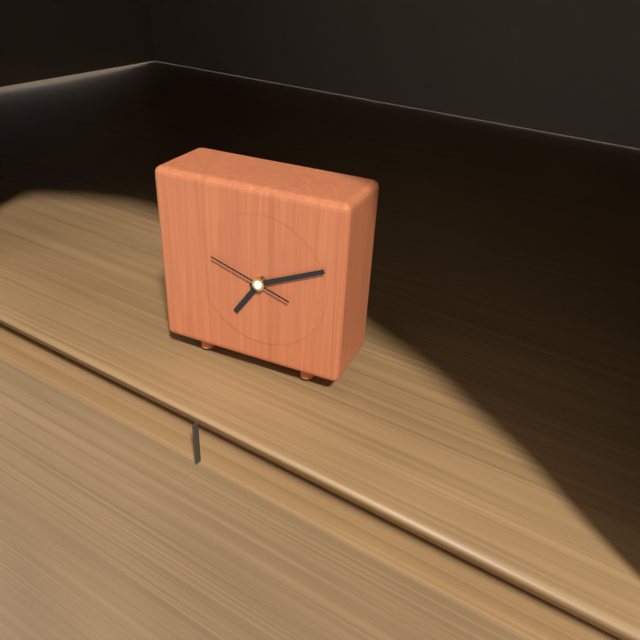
**7:11:48**
